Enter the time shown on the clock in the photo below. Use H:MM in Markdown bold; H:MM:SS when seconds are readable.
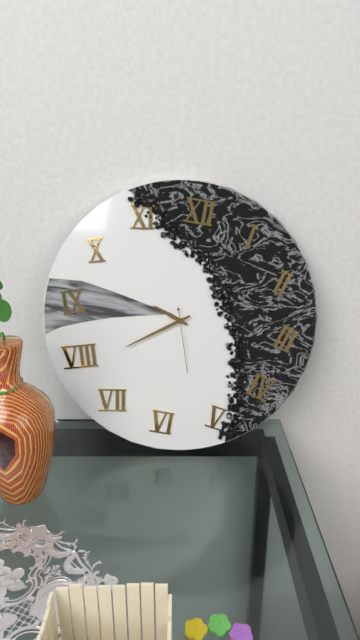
**9:39:27**
